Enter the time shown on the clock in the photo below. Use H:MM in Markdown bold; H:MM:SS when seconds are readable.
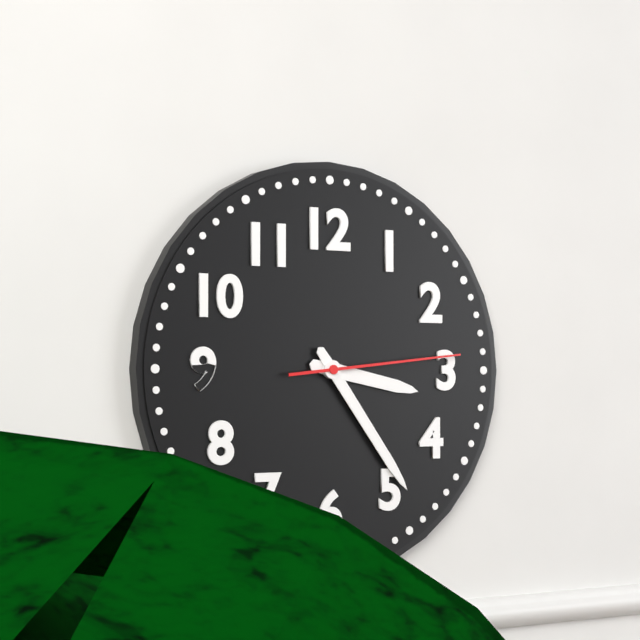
**3:24:14**
